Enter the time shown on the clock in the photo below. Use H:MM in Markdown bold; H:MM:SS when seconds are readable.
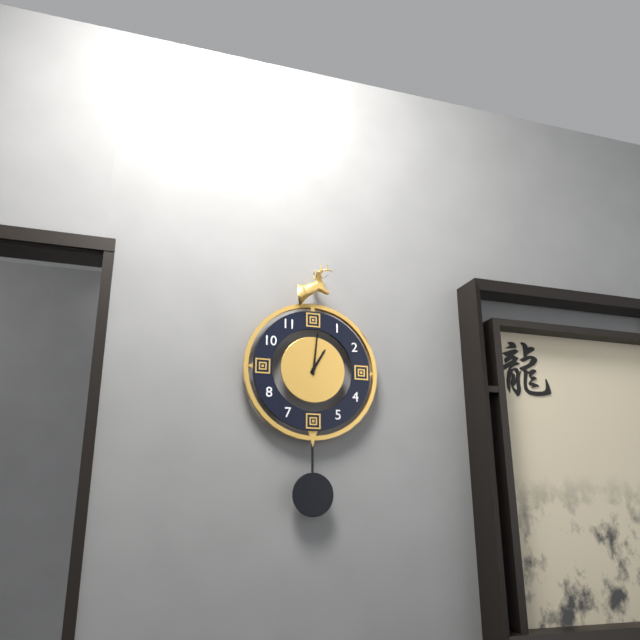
**1:01**
